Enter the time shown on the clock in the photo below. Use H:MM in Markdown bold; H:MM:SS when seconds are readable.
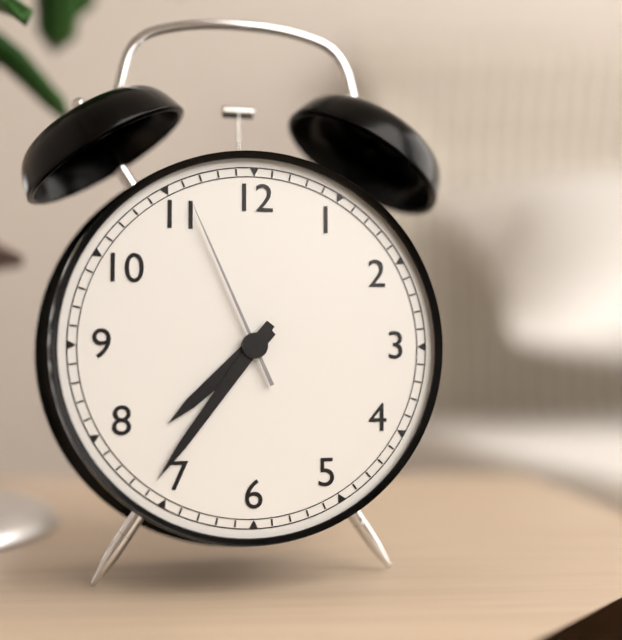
**7:36:56**
